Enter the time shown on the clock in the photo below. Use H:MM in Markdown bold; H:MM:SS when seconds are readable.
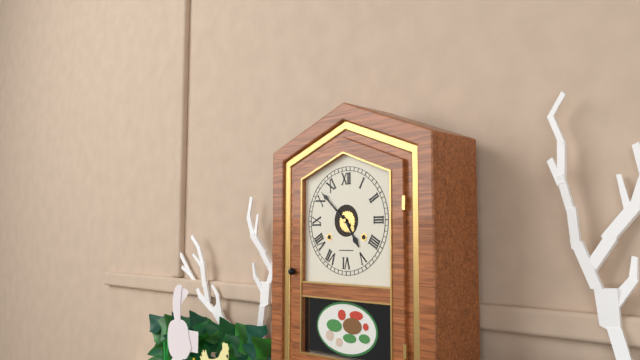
**4:52**
